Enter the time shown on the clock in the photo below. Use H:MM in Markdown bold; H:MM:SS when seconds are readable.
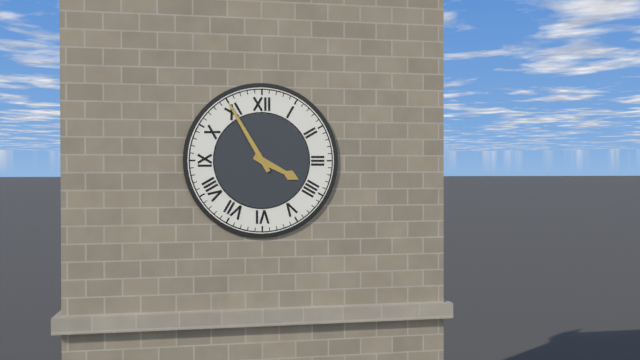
**3:55**
